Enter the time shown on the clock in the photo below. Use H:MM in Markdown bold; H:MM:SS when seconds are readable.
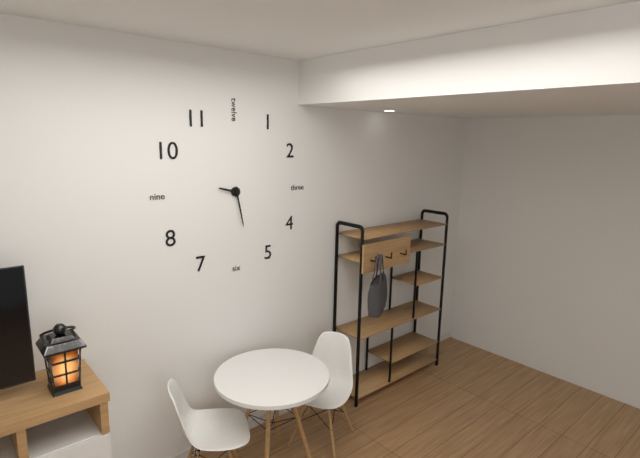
**9:28**
